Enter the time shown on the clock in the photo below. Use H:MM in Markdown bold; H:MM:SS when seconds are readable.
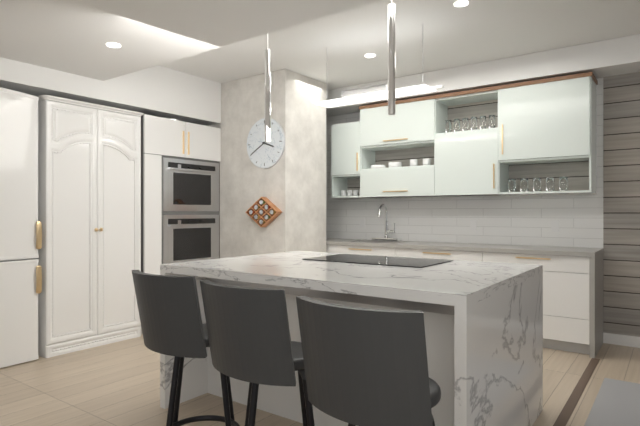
**3:40**
